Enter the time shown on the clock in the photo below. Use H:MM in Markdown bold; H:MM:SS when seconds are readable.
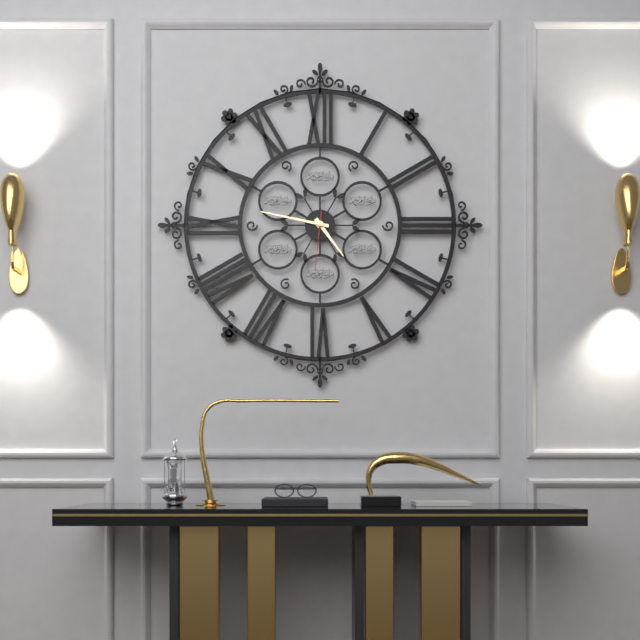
**4:47:31**
